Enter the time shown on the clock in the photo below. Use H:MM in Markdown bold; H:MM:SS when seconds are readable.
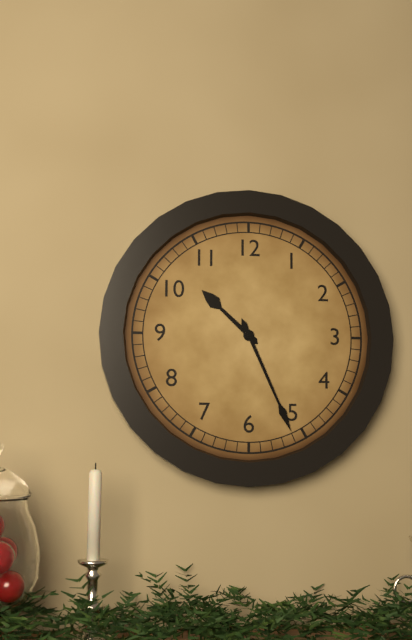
**10:26**
